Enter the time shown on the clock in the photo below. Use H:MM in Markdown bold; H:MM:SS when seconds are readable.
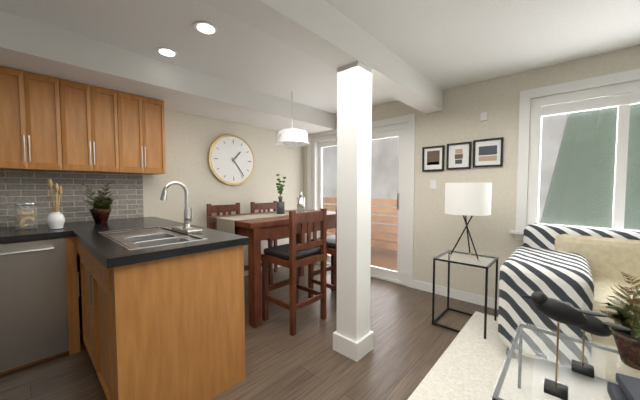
**1:24**
